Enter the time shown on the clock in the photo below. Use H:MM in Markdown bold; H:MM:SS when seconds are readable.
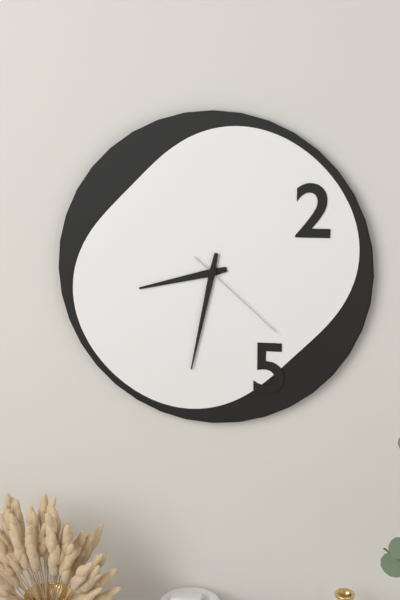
**8:32:22**
